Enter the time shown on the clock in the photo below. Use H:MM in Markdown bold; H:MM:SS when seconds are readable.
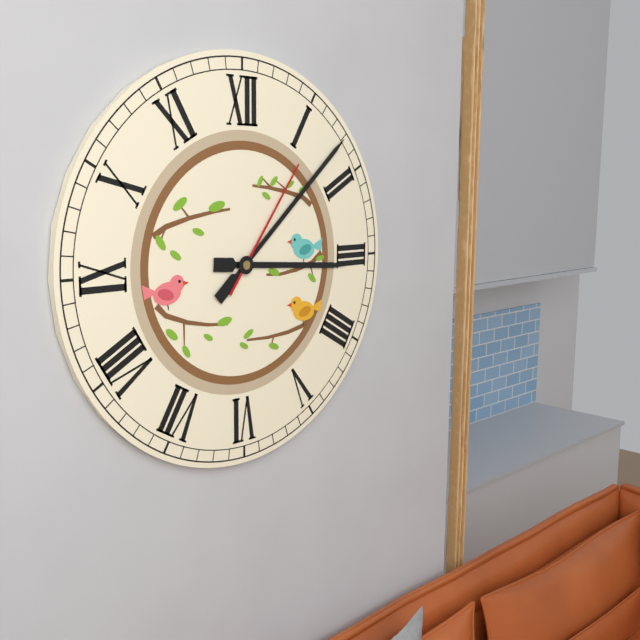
**3:08:06**
